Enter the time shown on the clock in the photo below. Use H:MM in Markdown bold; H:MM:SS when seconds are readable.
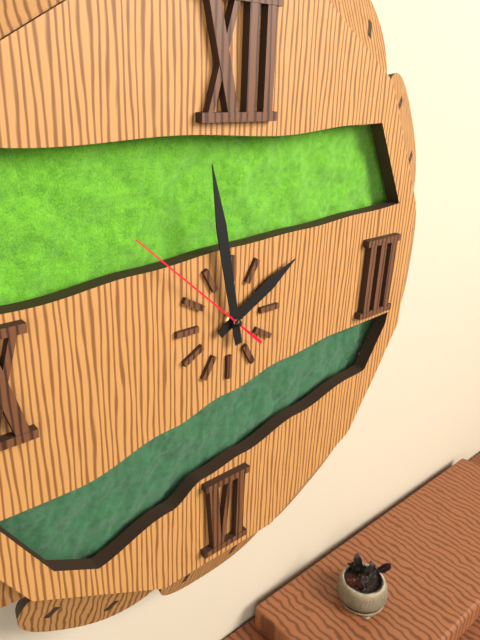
**1:58:52**
